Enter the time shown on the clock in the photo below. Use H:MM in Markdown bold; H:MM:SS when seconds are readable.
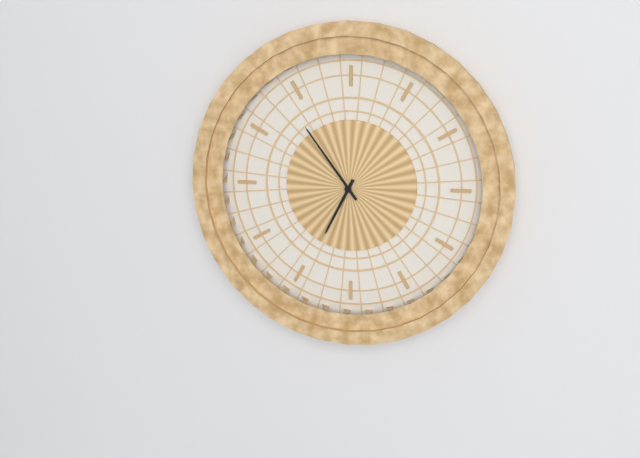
**6:54**
